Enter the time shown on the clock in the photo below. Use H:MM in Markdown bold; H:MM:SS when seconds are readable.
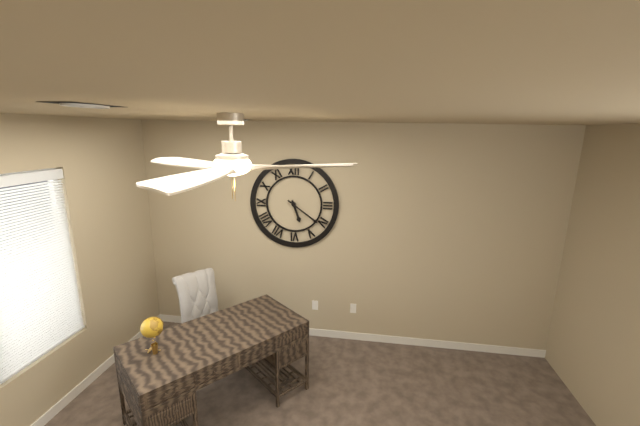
**5:21**
